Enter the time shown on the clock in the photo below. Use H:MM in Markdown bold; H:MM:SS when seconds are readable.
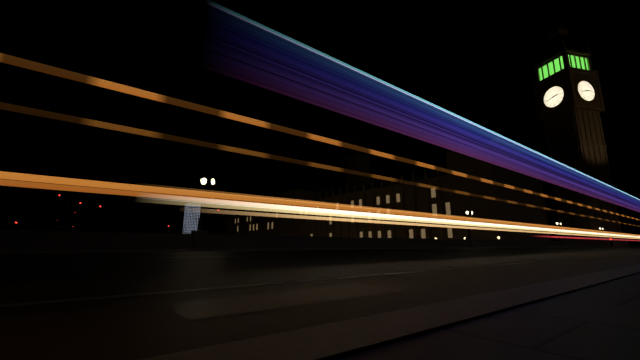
**2:43**
